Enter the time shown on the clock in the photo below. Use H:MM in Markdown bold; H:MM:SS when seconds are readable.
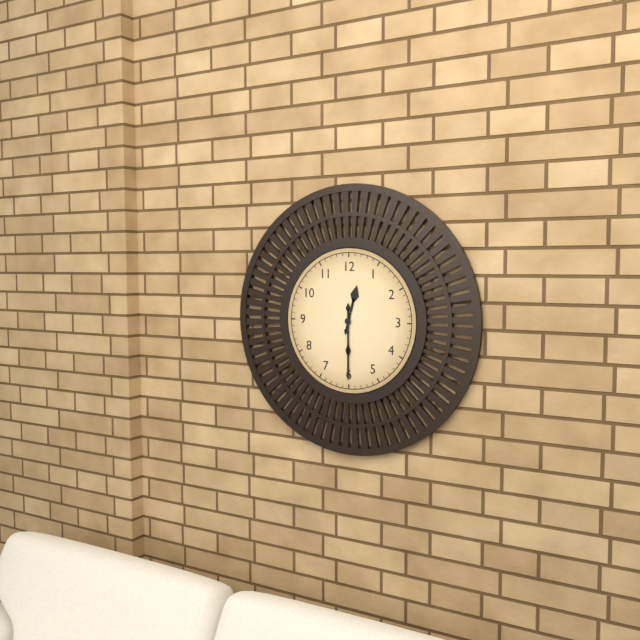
**12:30**
